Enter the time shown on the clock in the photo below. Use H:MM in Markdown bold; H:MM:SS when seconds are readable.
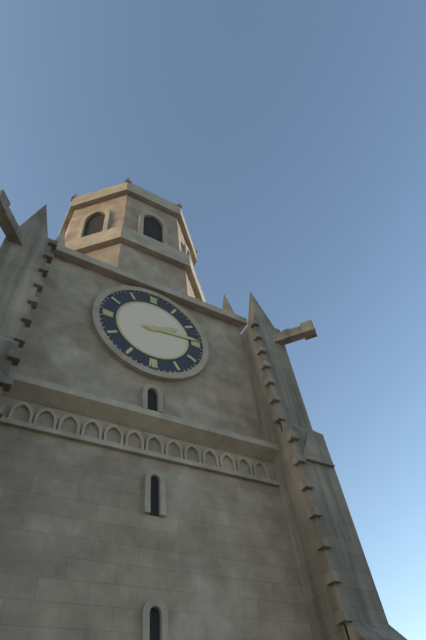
**2:14**
